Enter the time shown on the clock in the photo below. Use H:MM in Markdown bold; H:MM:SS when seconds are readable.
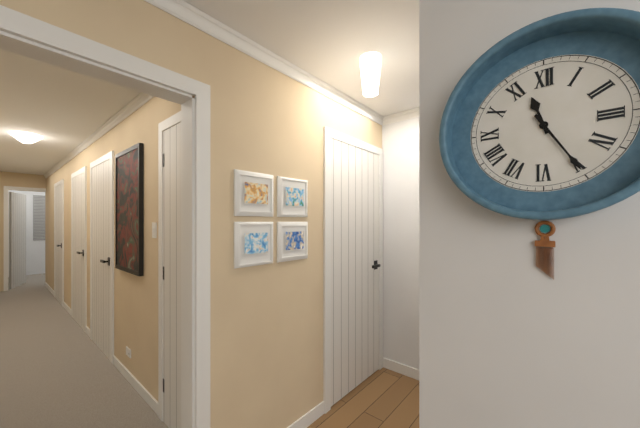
**11:25**
